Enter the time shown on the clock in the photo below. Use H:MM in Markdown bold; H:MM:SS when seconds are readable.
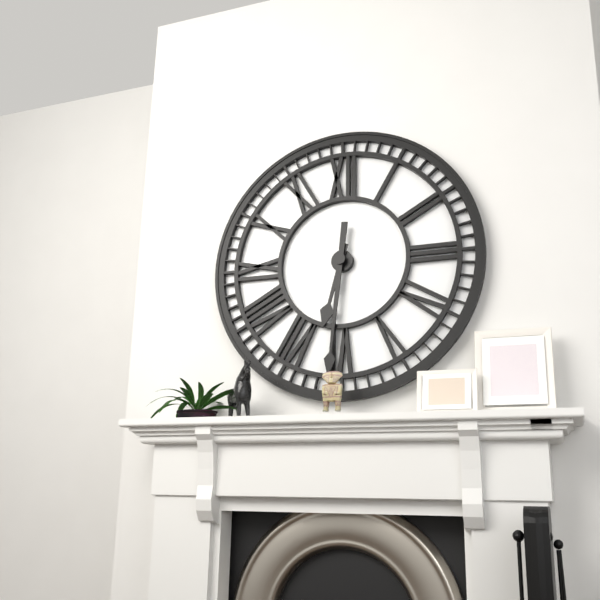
**6:31**
